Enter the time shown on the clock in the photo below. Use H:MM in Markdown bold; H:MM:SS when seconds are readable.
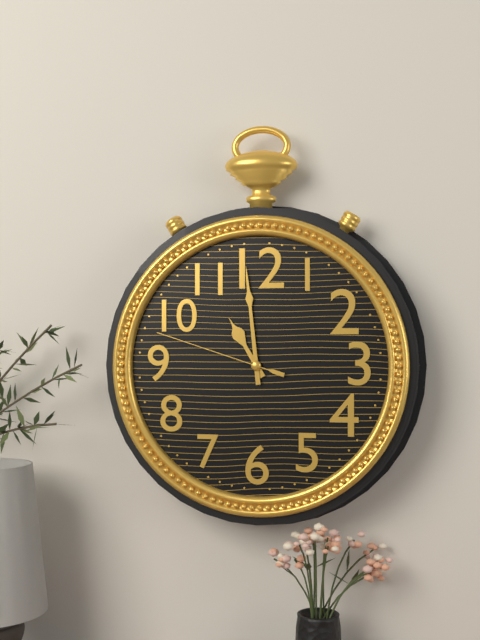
**10:59:48**
